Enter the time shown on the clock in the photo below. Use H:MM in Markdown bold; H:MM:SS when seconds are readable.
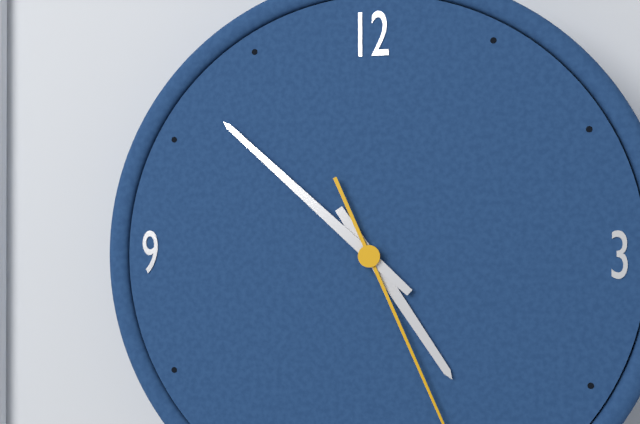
**4:52**
